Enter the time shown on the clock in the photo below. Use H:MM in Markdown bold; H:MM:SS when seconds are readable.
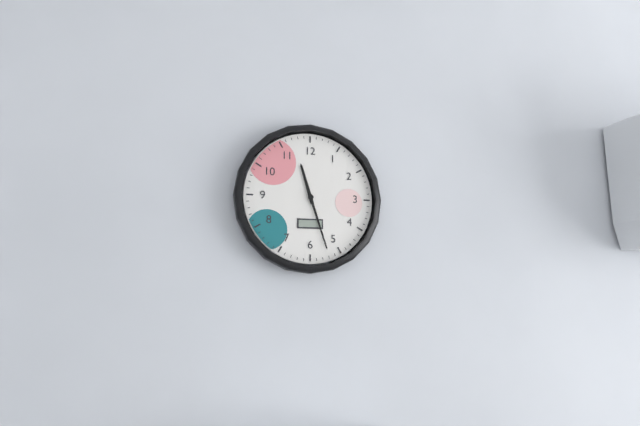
**11:27**
